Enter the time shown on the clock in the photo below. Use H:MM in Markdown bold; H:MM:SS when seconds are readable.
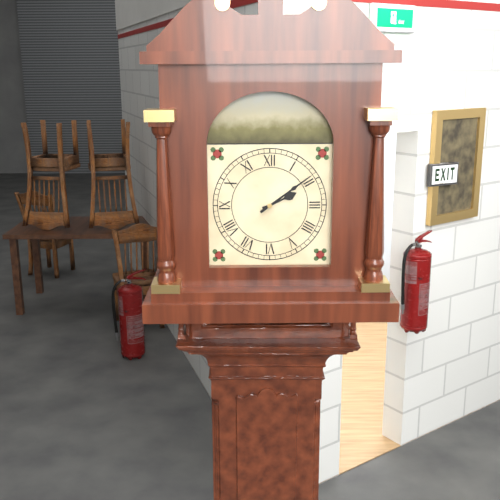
**2:09**
